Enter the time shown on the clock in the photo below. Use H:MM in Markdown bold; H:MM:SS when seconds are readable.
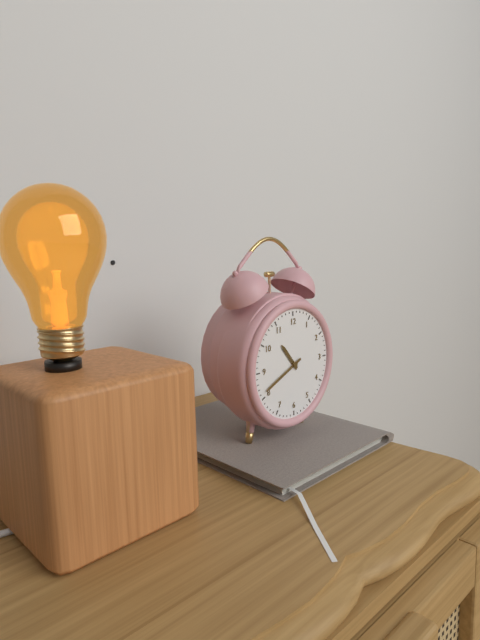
**10:41**
